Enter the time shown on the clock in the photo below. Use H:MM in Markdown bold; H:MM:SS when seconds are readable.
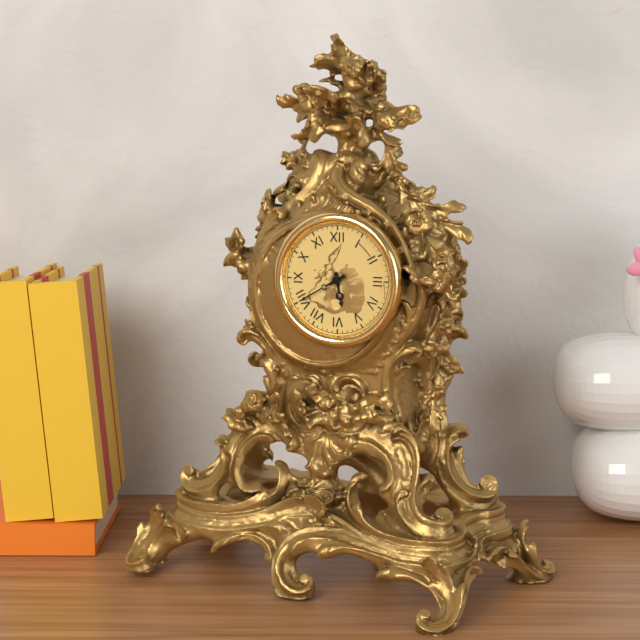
**5:40**
